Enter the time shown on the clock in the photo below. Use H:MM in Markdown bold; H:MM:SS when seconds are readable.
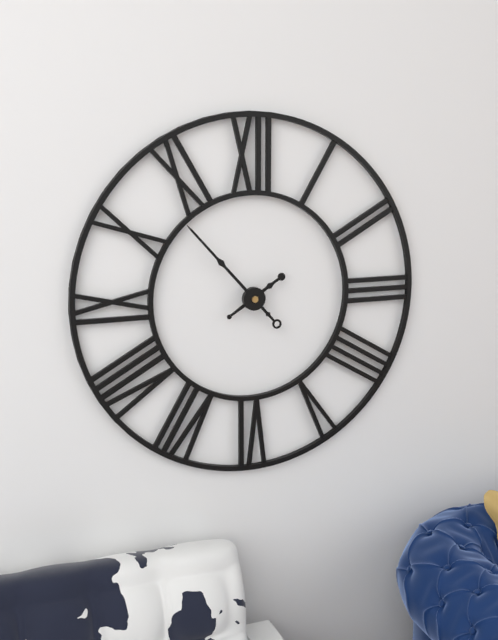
**1:53**
